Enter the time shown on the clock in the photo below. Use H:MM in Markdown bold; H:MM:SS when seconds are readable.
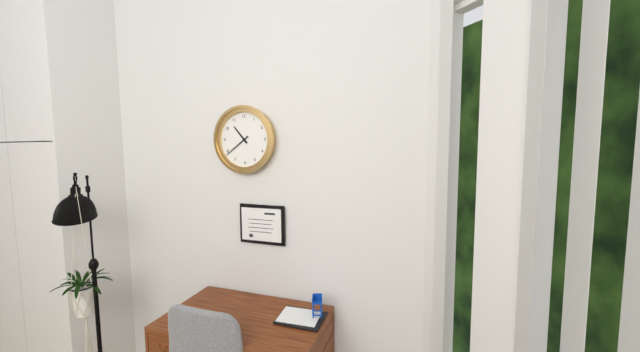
**10:39**
